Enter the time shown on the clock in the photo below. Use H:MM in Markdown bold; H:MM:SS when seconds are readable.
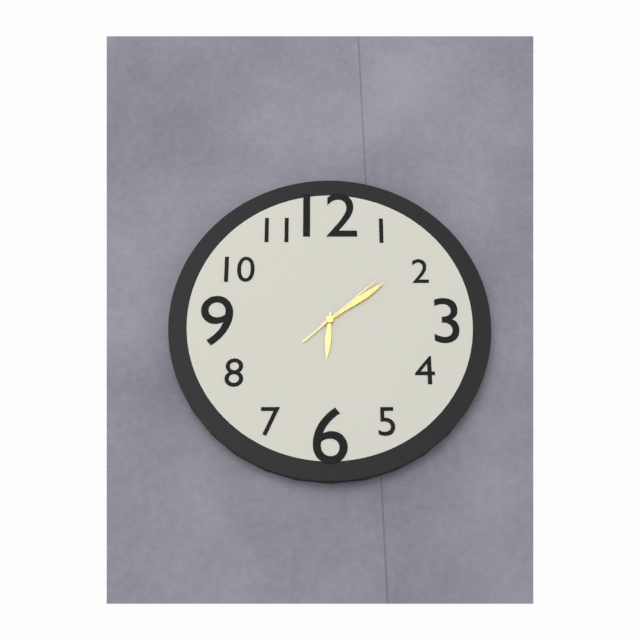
**6:09:08**
